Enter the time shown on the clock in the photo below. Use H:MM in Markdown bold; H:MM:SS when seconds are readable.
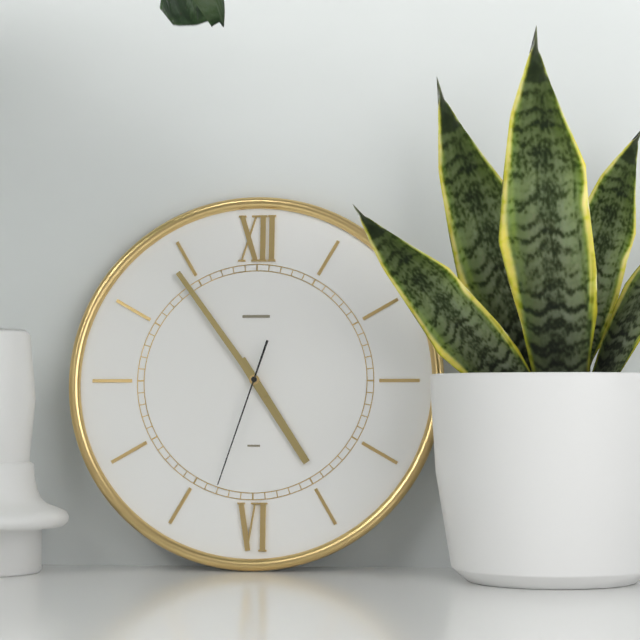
**4:54:33**
